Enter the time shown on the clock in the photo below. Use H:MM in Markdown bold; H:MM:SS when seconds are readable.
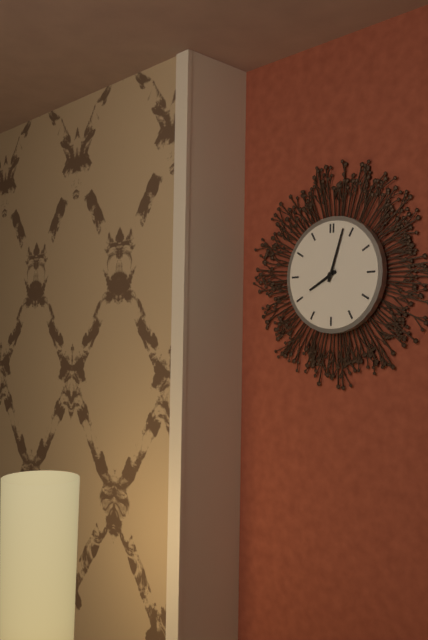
**8:03**
